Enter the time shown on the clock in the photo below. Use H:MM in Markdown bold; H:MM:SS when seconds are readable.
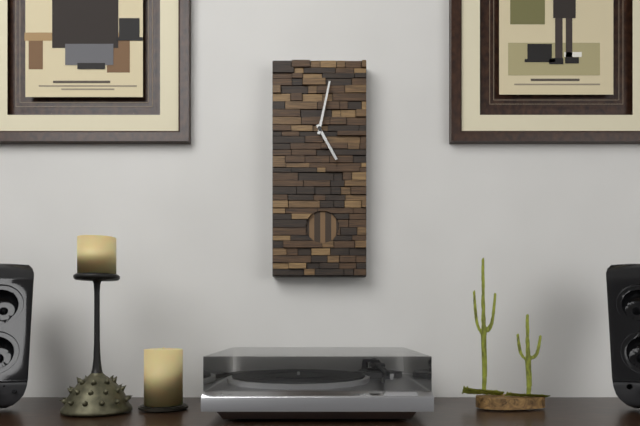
**5:02**
